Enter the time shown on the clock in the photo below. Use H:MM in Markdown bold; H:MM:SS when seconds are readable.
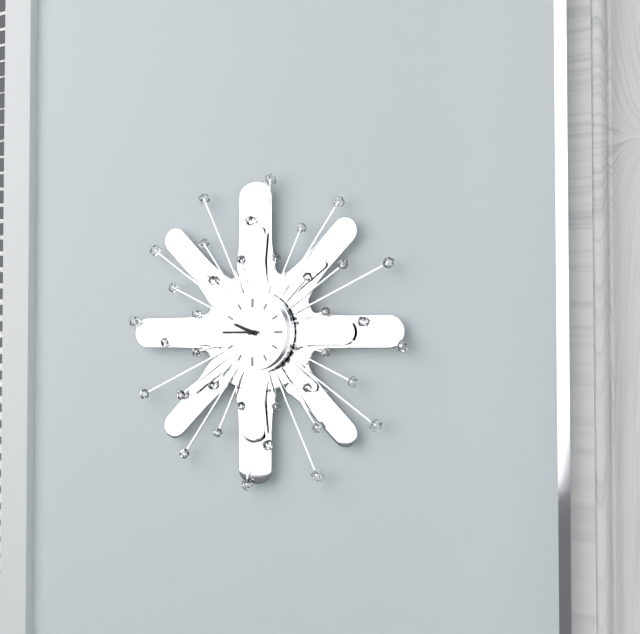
**9:45**
